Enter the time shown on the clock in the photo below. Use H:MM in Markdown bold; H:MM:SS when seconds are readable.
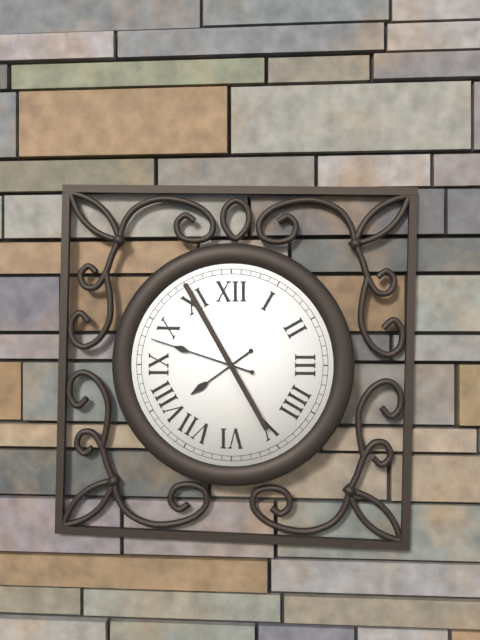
**7:48**
